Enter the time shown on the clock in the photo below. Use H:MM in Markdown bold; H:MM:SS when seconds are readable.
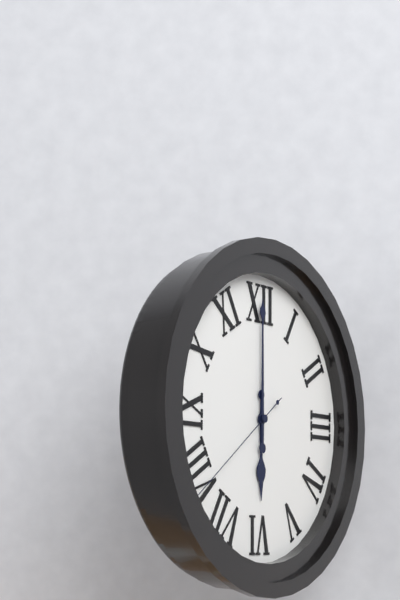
**6:00:39**
